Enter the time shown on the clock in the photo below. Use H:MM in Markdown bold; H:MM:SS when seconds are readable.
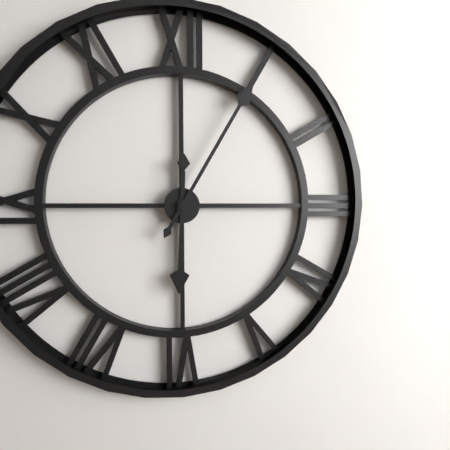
**6:05**
